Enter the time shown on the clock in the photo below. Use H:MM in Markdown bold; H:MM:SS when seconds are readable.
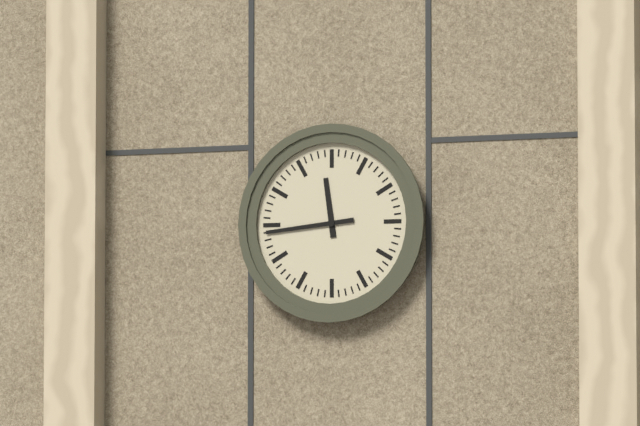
**11:44**
